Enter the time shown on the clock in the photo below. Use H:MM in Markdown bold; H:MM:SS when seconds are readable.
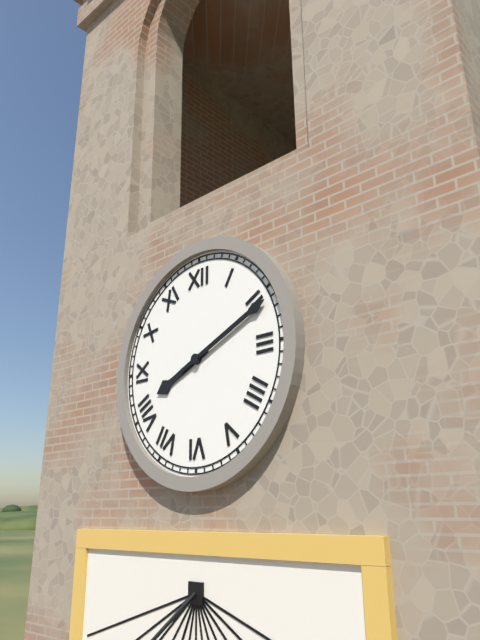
**8:11**
